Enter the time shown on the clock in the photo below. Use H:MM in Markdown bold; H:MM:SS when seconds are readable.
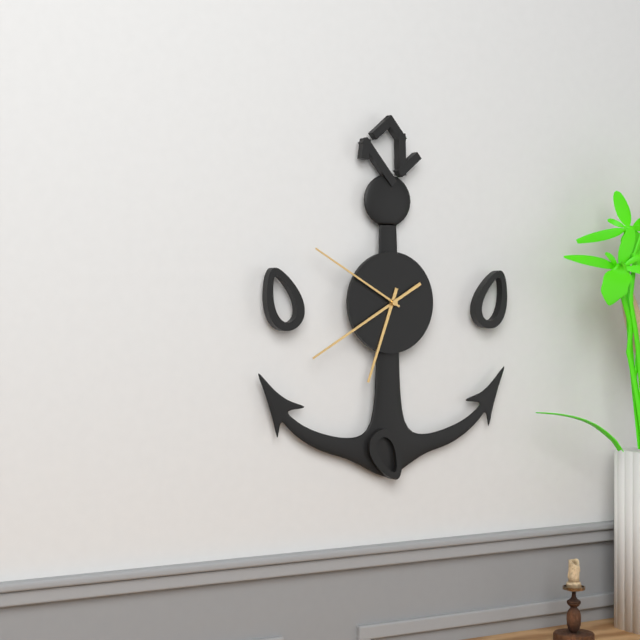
**6:40:50**
